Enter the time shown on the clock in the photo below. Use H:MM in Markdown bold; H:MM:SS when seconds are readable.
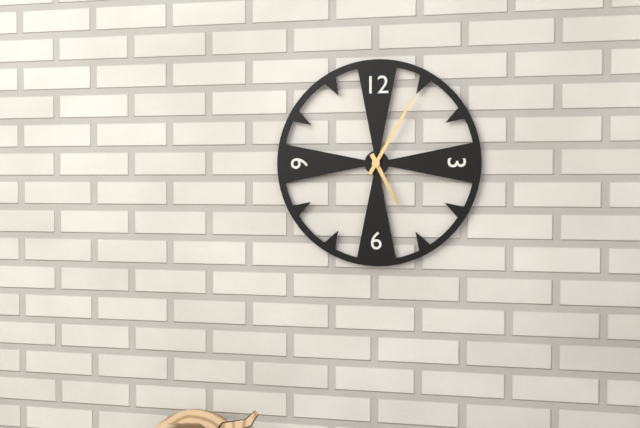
**5:05**
